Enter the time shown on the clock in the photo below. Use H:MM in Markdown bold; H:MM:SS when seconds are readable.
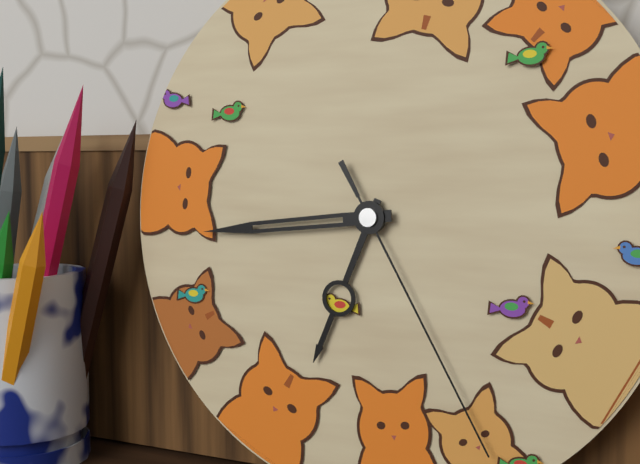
**6:44:25**
